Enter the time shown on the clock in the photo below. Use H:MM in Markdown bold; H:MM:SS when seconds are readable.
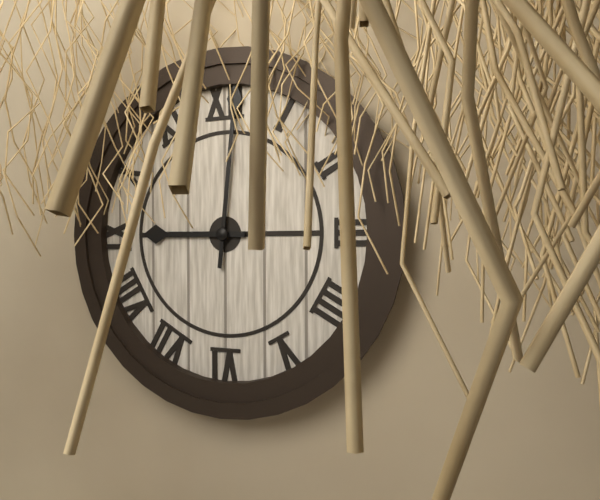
**9:01**
